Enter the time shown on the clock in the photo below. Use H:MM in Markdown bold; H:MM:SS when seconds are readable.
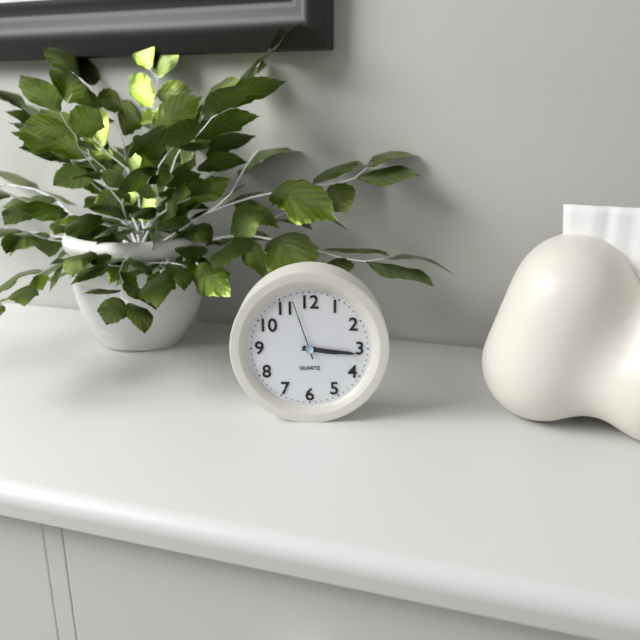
**3:16:57**
